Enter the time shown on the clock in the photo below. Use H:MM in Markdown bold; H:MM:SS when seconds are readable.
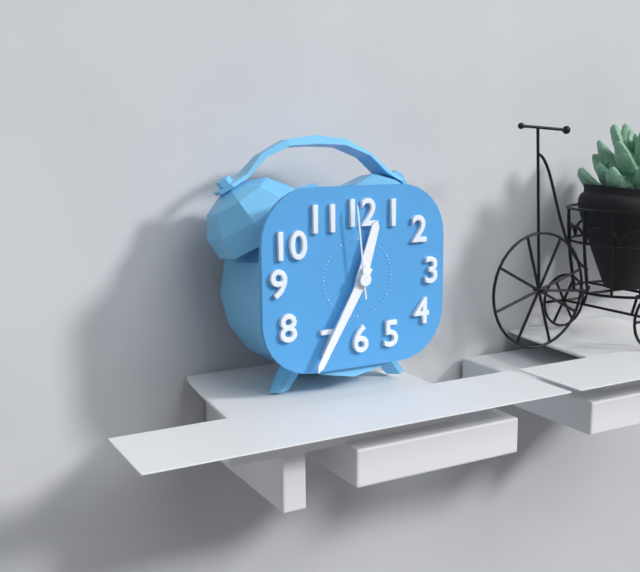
**12:35:59**
